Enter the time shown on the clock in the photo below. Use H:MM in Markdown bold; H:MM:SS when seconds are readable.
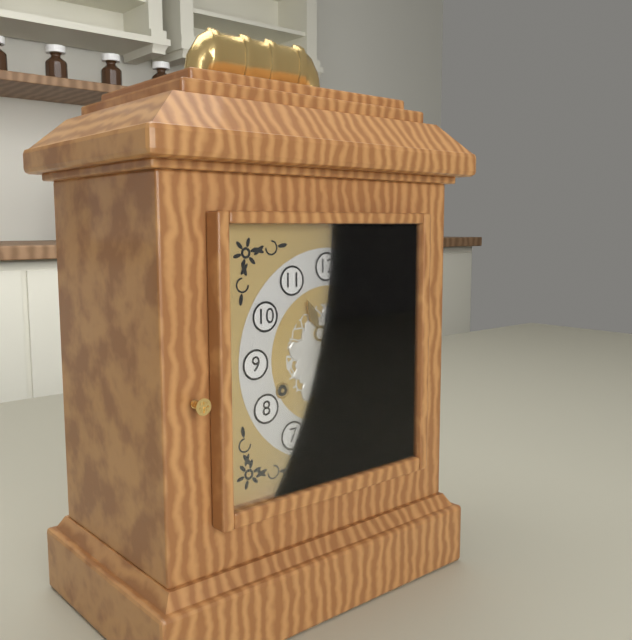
**11:08**
